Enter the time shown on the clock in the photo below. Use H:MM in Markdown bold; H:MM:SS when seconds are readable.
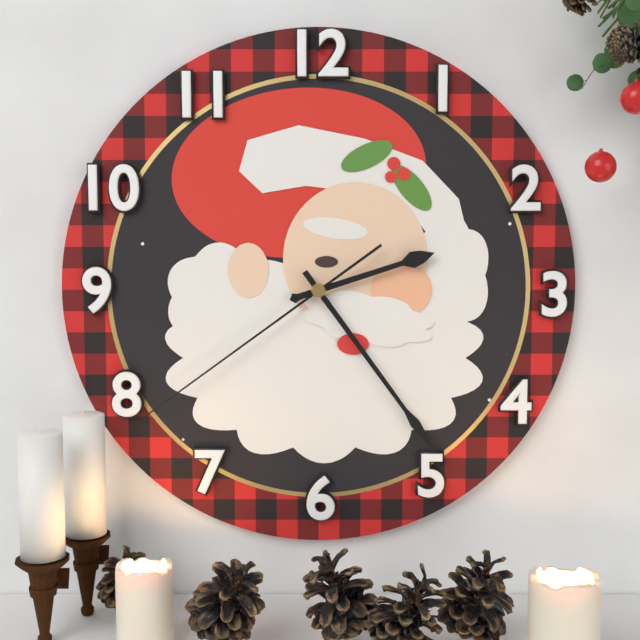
**2:24:39**
